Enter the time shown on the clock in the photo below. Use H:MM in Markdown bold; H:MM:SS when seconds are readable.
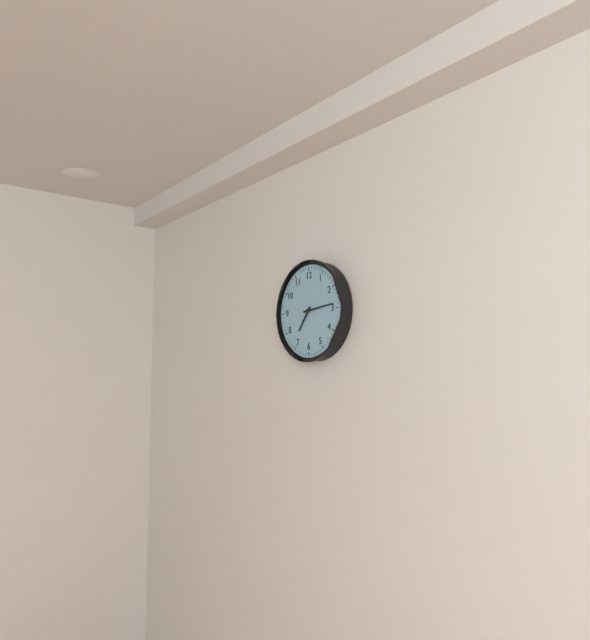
**7:14**
